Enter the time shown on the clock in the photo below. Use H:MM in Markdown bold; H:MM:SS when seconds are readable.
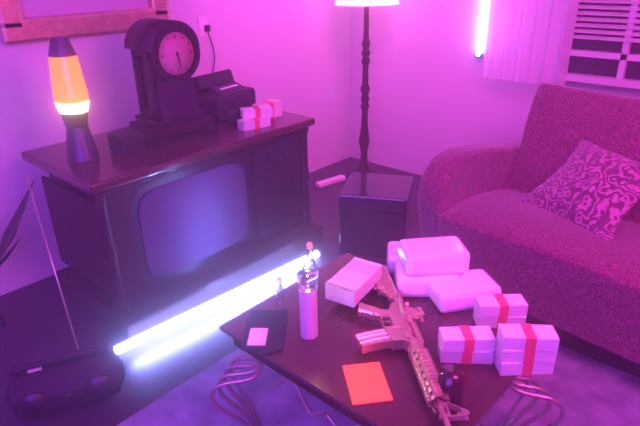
**5:28**
